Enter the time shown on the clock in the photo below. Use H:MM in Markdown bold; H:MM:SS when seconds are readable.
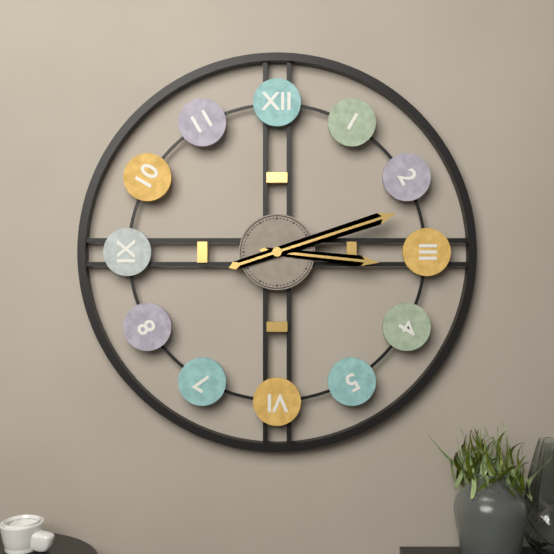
**3:12**
